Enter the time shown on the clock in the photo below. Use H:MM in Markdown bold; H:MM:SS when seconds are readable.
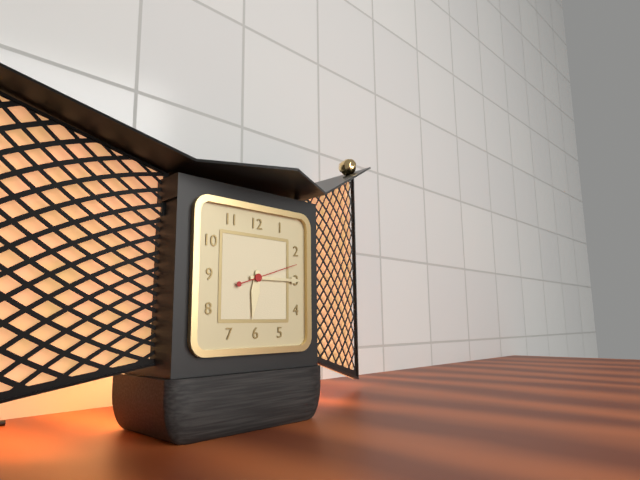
**6:15:12**
